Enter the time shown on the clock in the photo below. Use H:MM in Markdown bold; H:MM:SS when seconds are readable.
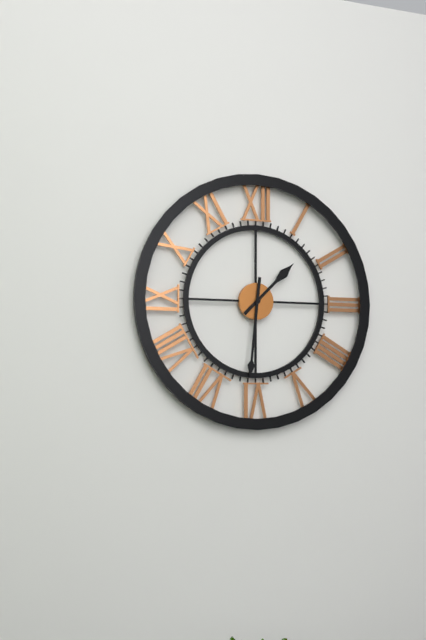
**1:31**
